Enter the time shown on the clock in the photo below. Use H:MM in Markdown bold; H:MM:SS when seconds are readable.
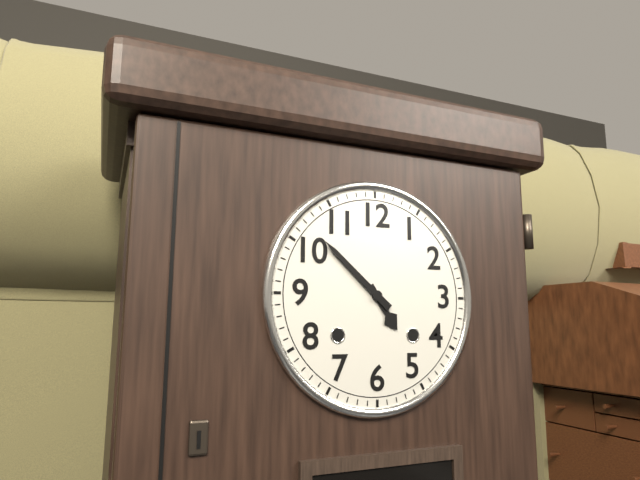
**4:52**
